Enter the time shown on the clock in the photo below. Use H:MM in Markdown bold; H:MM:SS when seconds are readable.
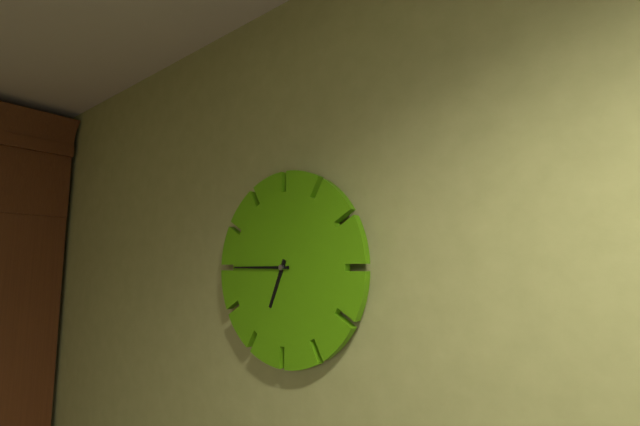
**6:45**
